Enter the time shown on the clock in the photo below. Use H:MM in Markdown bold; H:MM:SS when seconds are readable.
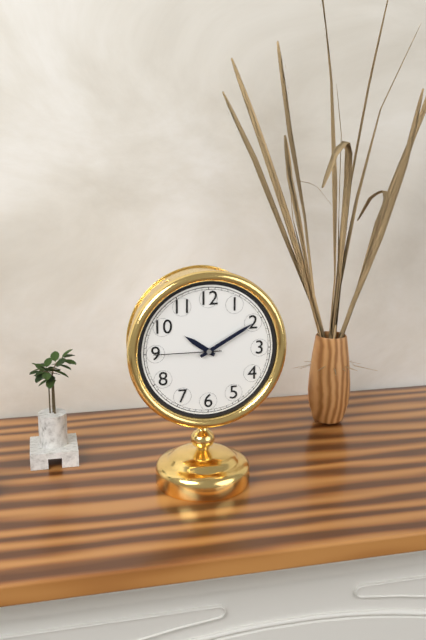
**10:10:45**
